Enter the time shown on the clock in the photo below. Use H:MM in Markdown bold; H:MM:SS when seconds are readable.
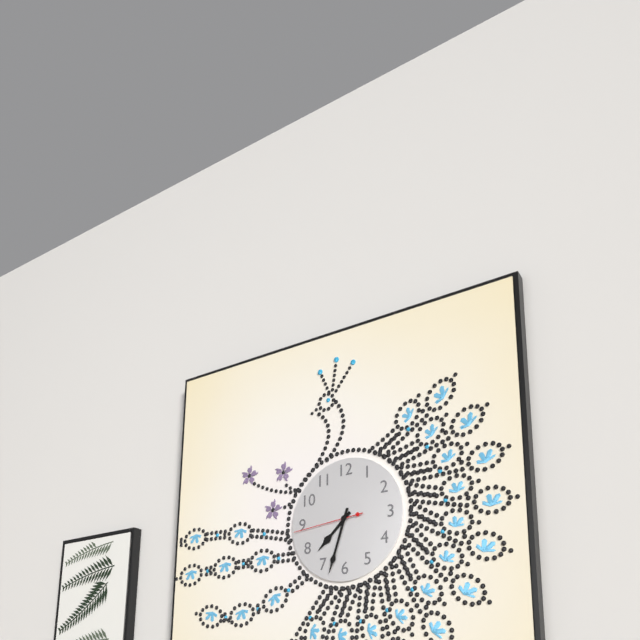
**7:33:44**
